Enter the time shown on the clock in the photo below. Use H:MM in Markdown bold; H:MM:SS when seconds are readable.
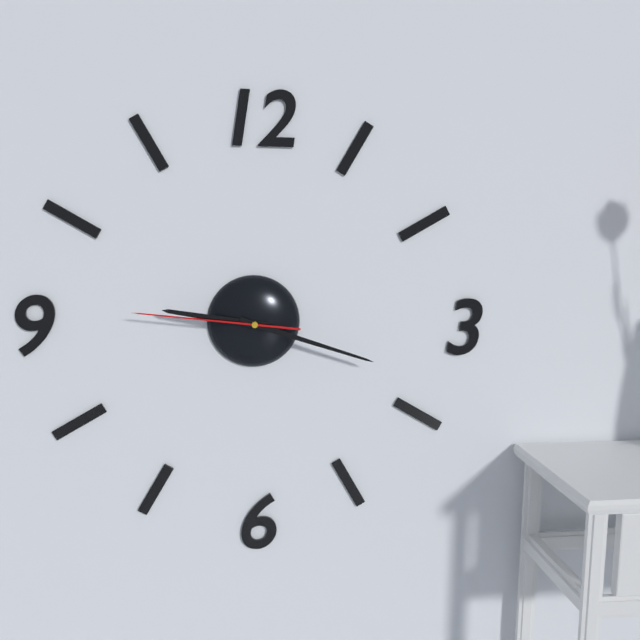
**9:18:46**
